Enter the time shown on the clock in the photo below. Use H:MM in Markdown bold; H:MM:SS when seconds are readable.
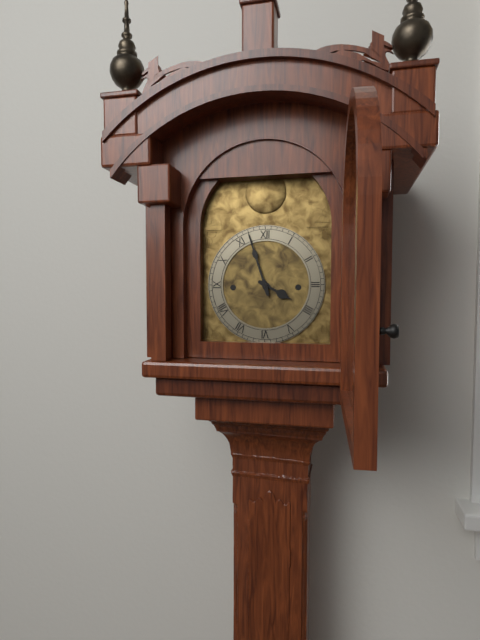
**3:57**
